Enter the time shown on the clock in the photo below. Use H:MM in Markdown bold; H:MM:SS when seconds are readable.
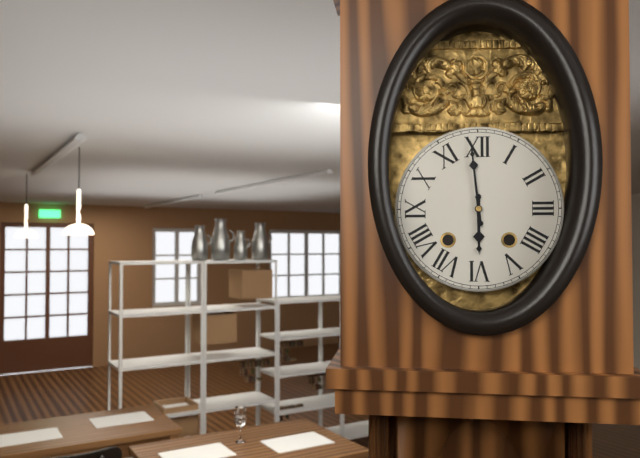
**5:59**
